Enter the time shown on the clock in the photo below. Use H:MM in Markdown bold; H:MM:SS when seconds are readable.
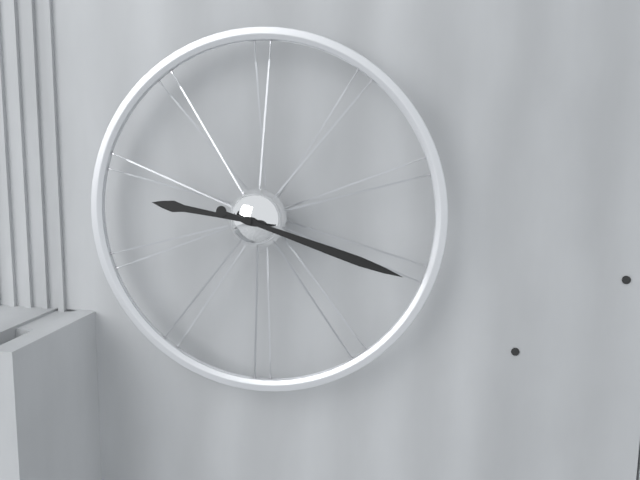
**9:18**
